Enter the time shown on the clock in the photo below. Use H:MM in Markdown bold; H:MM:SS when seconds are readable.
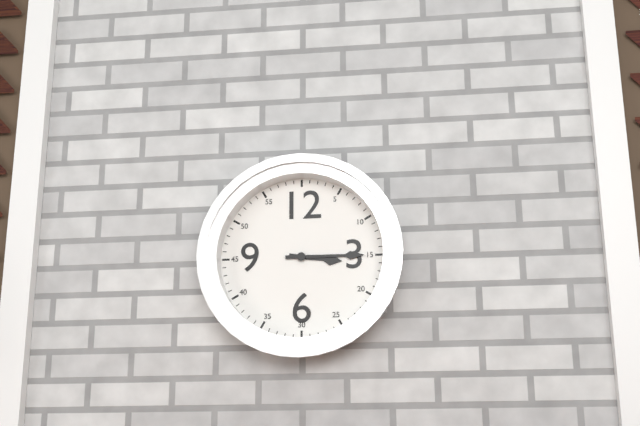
**3:15**
